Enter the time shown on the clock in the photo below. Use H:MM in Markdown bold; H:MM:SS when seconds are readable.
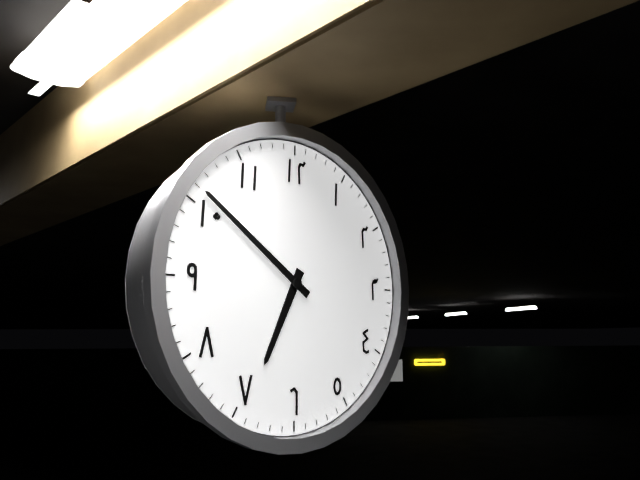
**6:51**
